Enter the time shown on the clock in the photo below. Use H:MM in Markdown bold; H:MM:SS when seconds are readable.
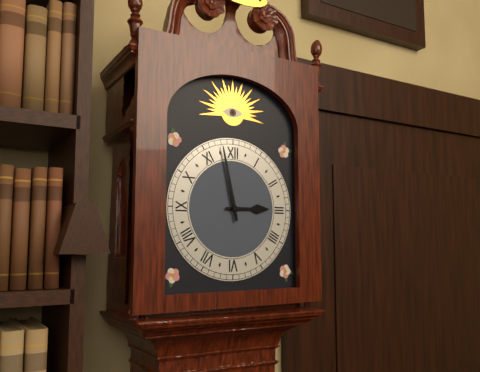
**2:58**
